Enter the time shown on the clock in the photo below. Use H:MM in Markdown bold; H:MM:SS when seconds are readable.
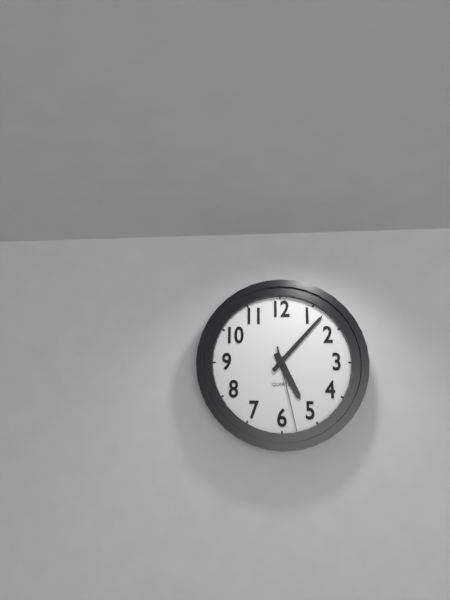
**5:07:28**
